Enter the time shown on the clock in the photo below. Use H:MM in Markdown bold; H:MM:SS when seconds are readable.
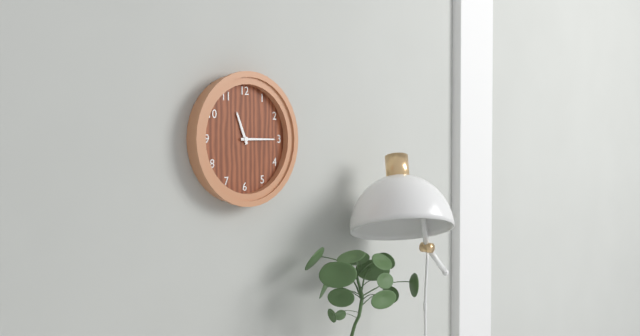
**11:15**
